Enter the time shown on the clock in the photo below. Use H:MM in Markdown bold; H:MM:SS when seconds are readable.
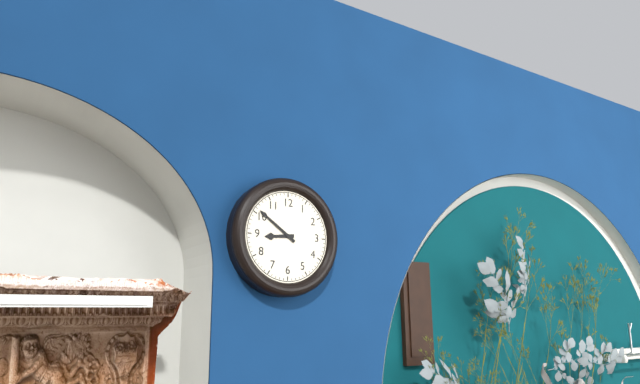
**8:51**
